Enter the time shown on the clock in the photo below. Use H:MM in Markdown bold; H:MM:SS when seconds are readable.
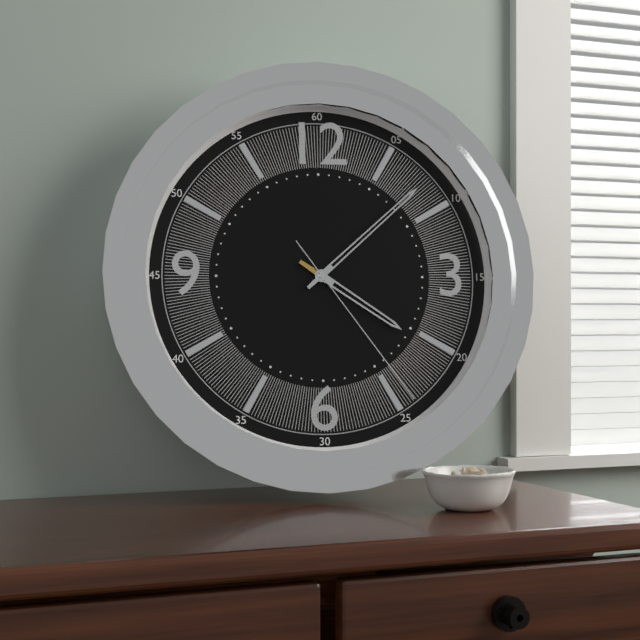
**4:08:24**
